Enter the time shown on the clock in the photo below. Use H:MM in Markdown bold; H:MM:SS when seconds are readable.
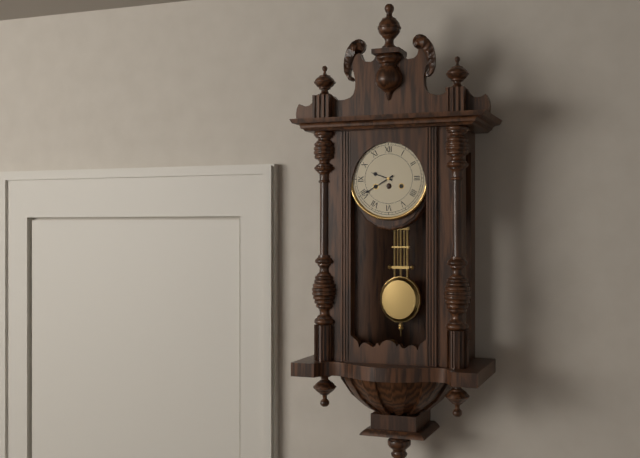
**9:40**
